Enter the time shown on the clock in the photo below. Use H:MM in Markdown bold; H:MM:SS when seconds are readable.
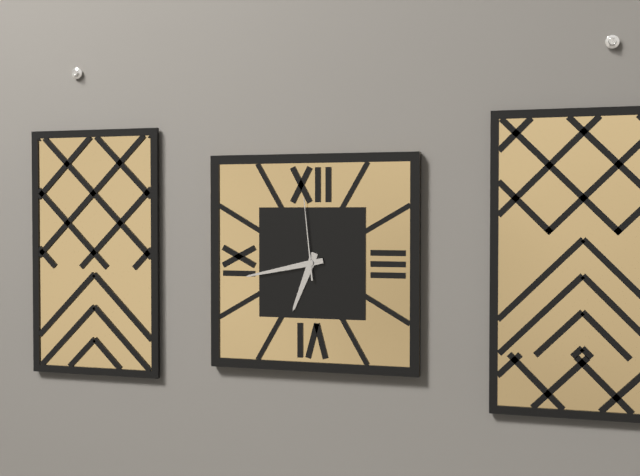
**6:43:59**
